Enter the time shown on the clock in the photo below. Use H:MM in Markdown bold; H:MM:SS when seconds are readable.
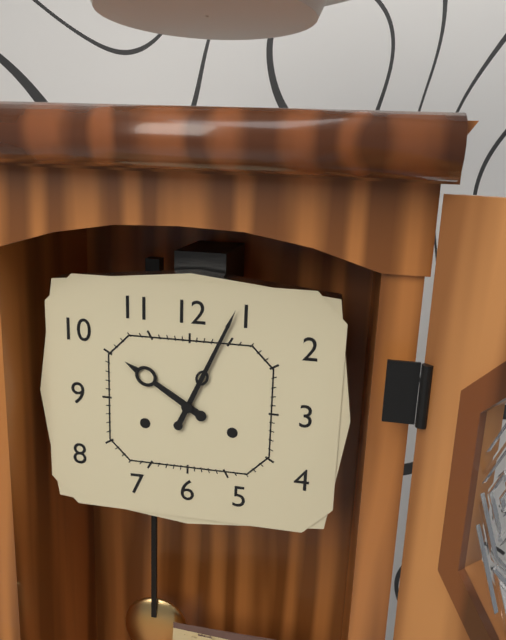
**10:04**
